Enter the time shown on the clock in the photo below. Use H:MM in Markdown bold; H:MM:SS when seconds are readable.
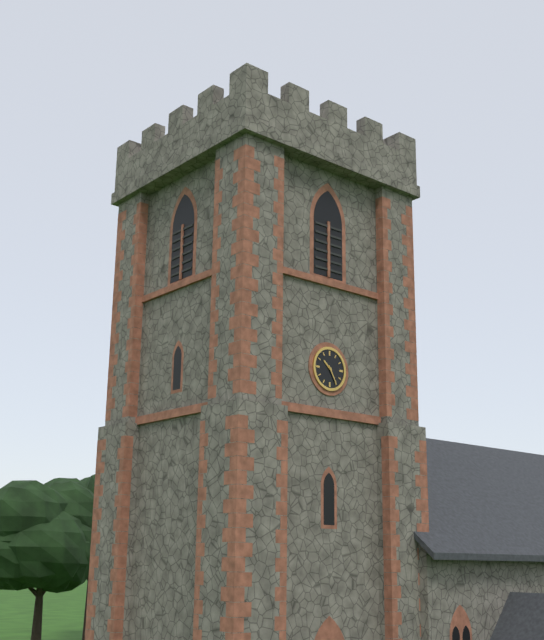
**10:25**
